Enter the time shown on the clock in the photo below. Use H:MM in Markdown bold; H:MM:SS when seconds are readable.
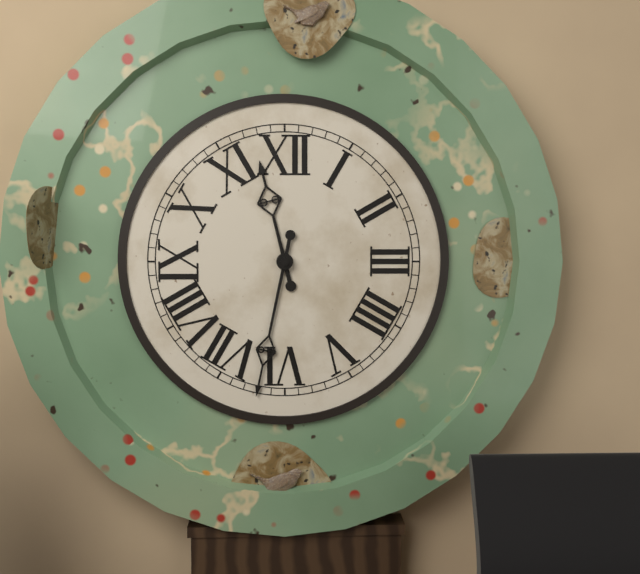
**11:32**
